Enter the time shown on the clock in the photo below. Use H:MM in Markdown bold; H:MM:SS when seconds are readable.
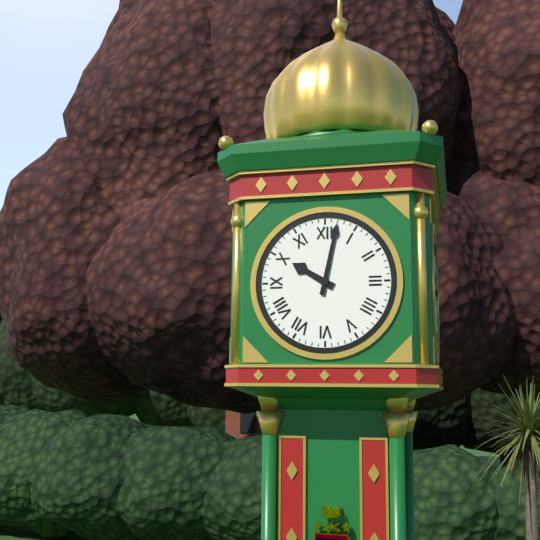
**10:02**
